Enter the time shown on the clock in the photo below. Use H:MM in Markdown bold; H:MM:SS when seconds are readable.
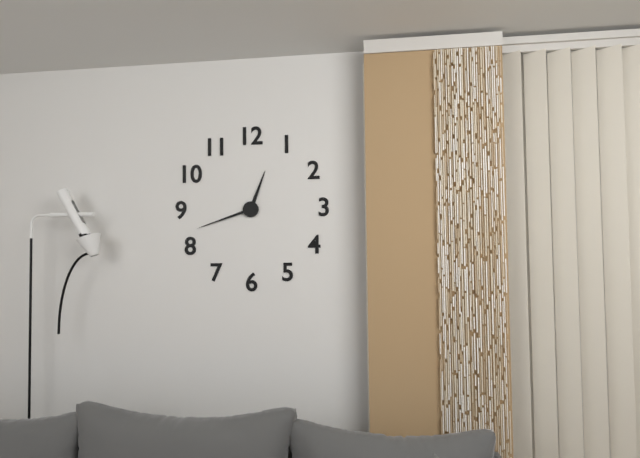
**12:42**
